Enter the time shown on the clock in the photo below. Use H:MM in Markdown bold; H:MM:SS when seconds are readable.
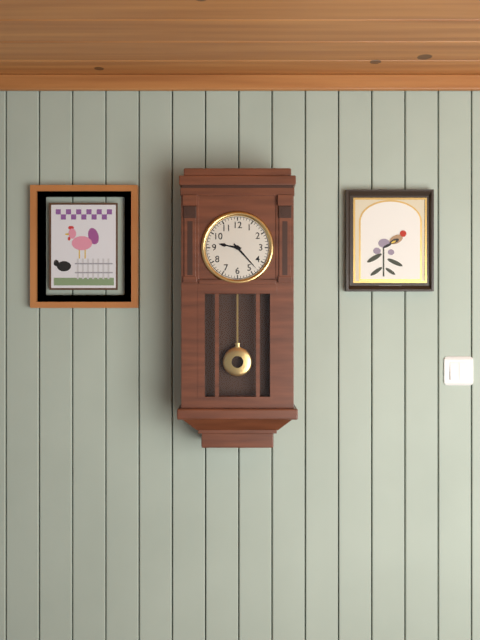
**9:23**
